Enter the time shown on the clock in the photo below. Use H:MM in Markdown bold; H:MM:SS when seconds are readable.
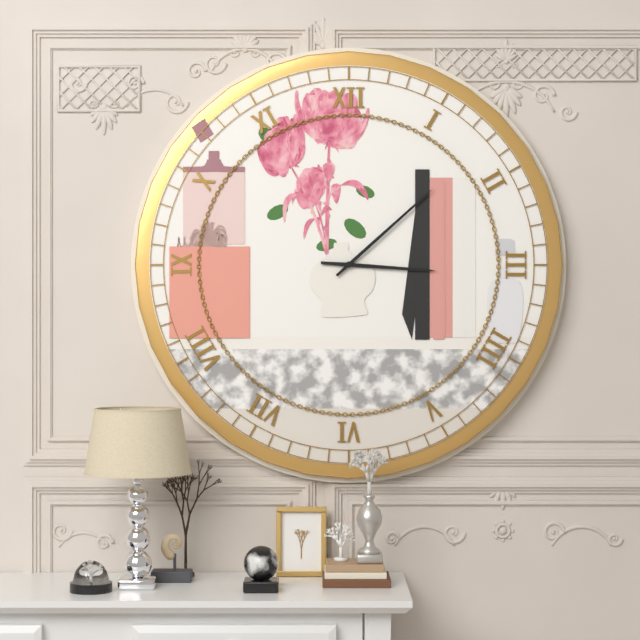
**3:08**
